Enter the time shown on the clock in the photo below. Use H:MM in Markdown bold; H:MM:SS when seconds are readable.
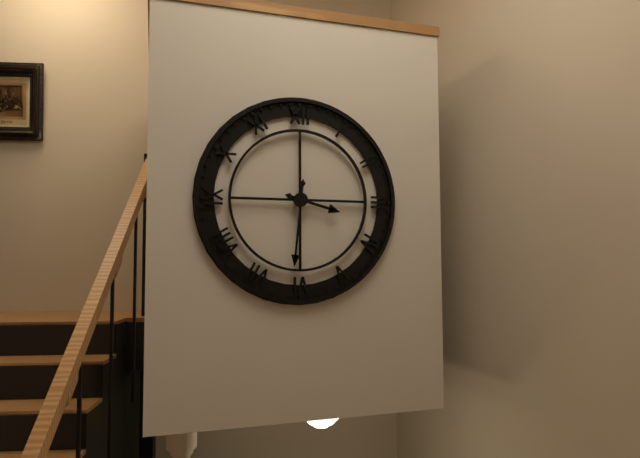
**3:31**
